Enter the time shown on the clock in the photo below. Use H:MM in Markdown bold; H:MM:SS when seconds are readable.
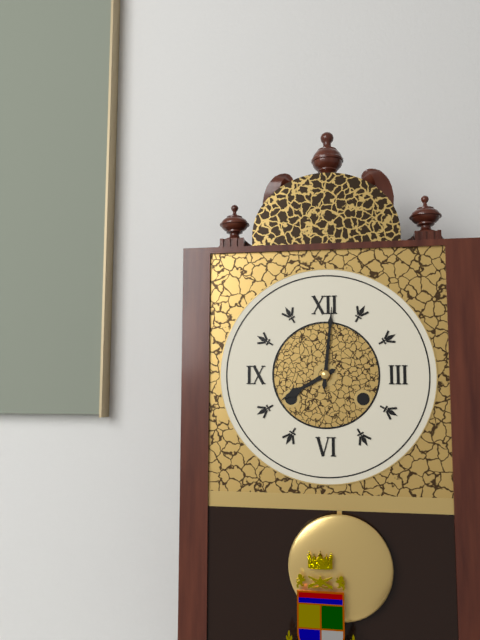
**8:01**
